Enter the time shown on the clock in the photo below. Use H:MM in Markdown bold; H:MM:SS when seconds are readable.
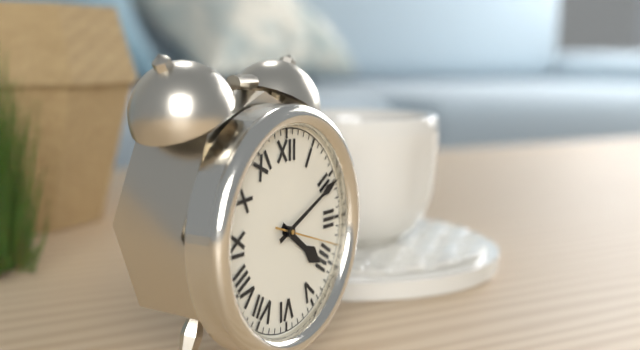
**4:11:18**
